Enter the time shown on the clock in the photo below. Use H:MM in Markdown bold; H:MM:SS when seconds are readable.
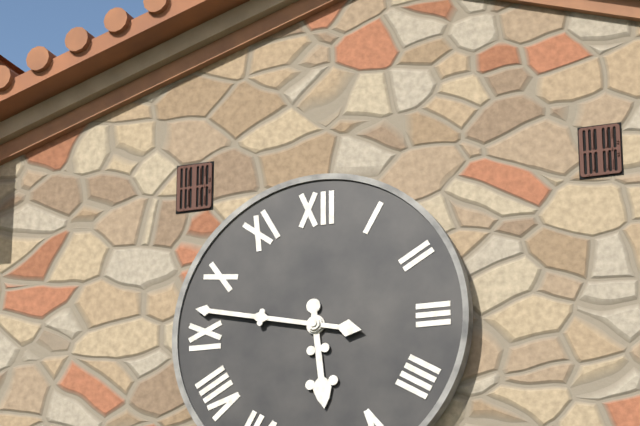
**5:47**
